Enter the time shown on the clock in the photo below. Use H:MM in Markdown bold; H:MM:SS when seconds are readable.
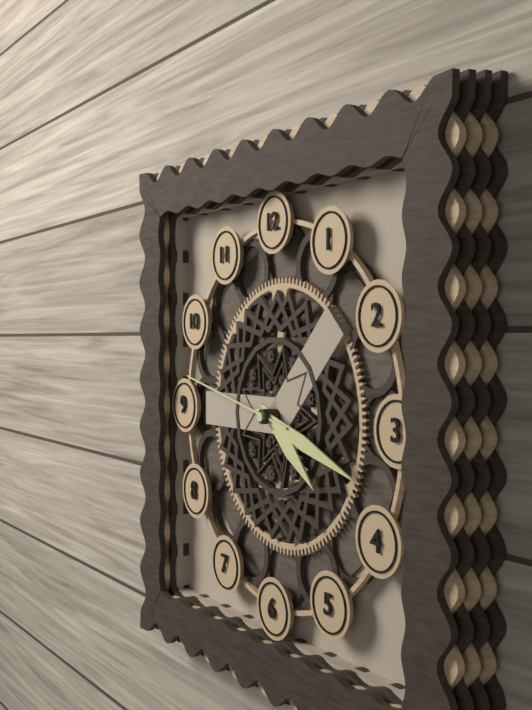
**4:18:47**
